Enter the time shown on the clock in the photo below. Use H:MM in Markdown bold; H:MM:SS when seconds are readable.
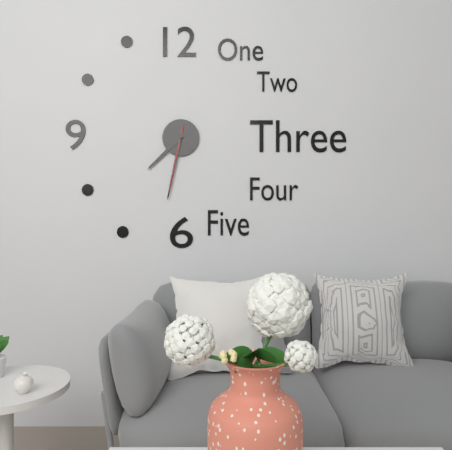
**7:32:32**
